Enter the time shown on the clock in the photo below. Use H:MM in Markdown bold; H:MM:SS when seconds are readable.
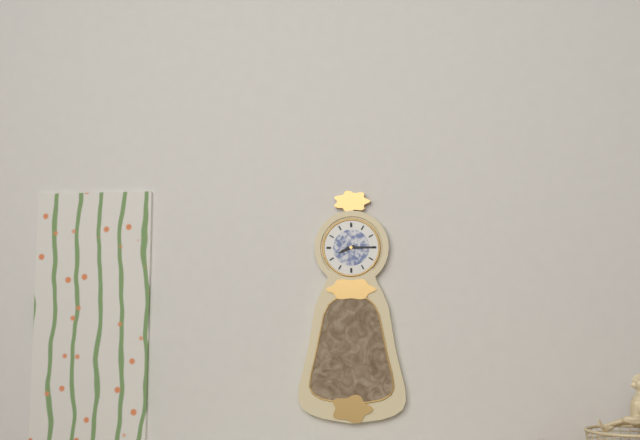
**8:15**
